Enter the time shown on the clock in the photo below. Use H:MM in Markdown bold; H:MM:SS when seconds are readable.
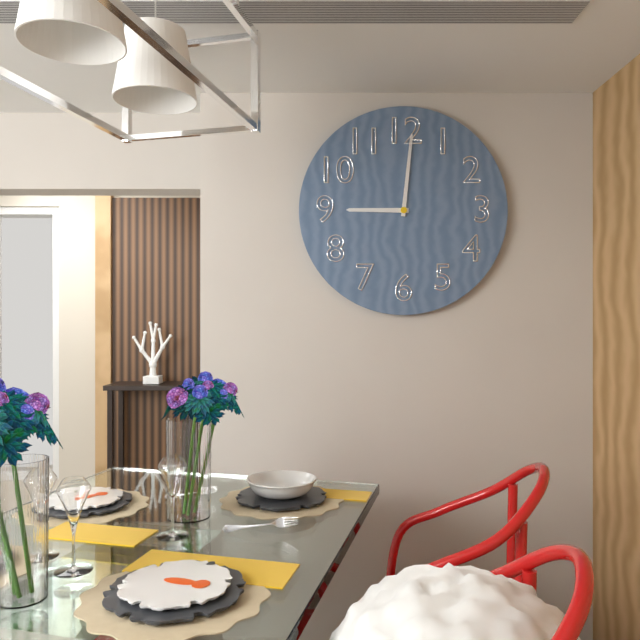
**9:01**
